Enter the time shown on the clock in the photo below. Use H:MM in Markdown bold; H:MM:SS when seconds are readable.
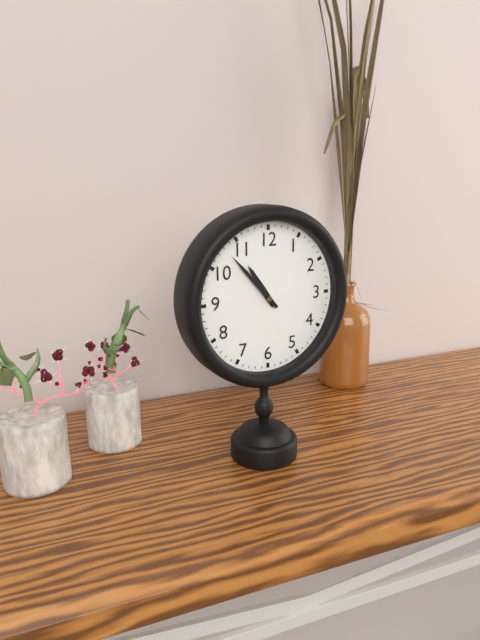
**10:53**
